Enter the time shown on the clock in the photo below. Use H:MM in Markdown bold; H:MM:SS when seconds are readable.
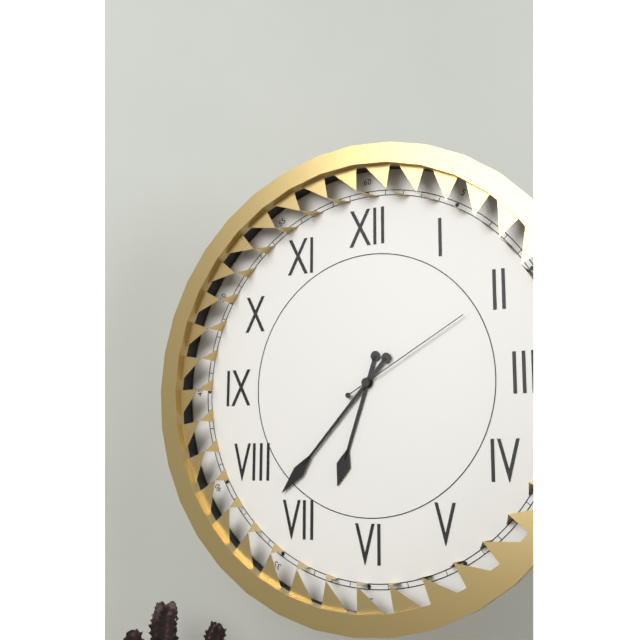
**6:37:10**
